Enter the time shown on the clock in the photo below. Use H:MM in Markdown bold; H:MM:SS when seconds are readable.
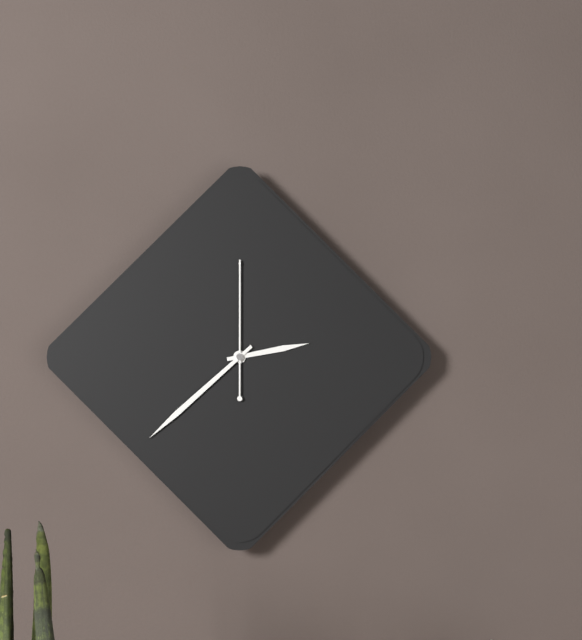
**2:38:00**
